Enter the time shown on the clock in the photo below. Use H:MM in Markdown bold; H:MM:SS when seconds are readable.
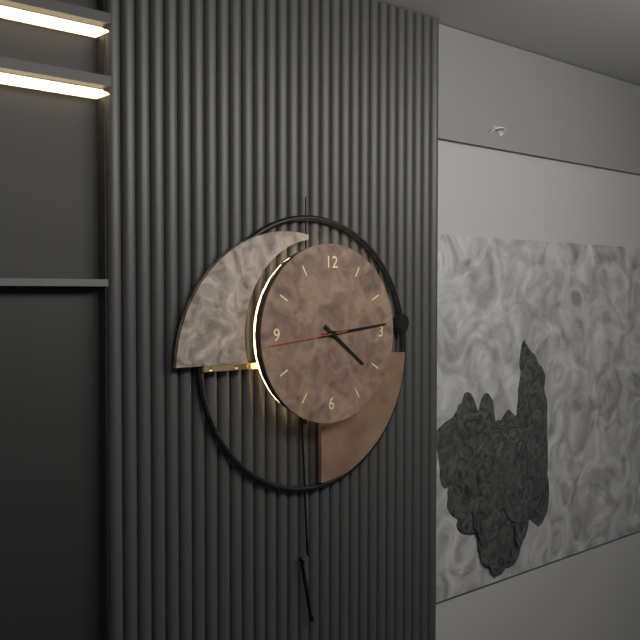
**4:14**
